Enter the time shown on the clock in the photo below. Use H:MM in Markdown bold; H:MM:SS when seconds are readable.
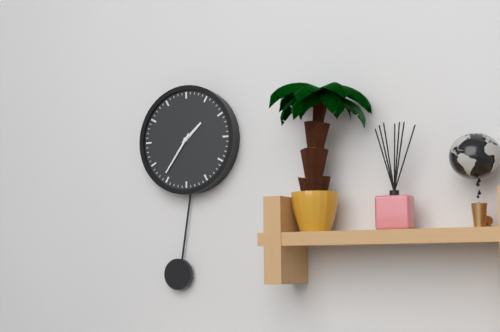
**1:36**
